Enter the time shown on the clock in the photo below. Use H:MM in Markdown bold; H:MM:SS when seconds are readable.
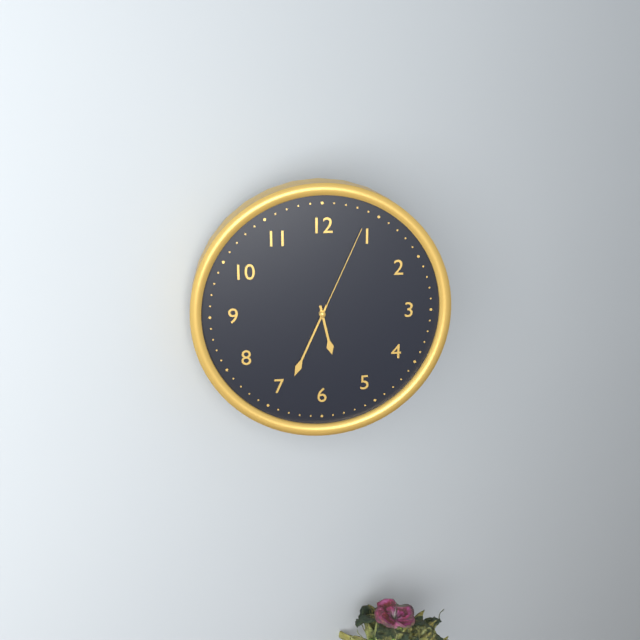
**5:34:04**
